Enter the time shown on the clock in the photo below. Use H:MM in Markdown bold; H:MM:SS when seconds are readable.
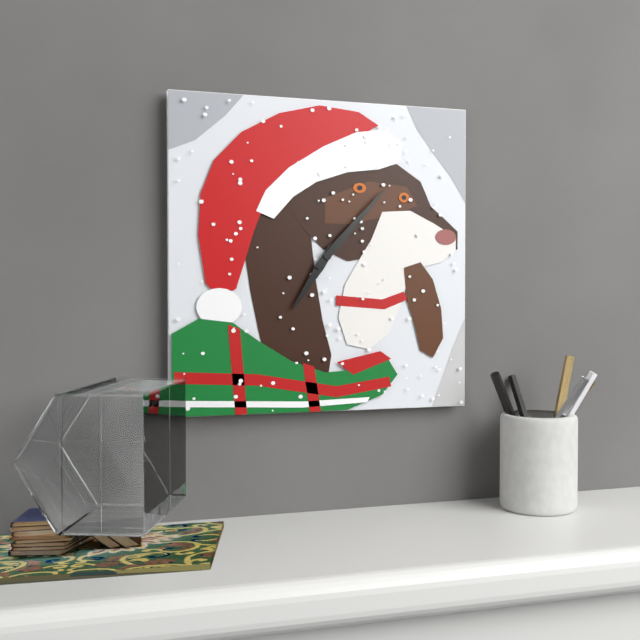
**7:07**
